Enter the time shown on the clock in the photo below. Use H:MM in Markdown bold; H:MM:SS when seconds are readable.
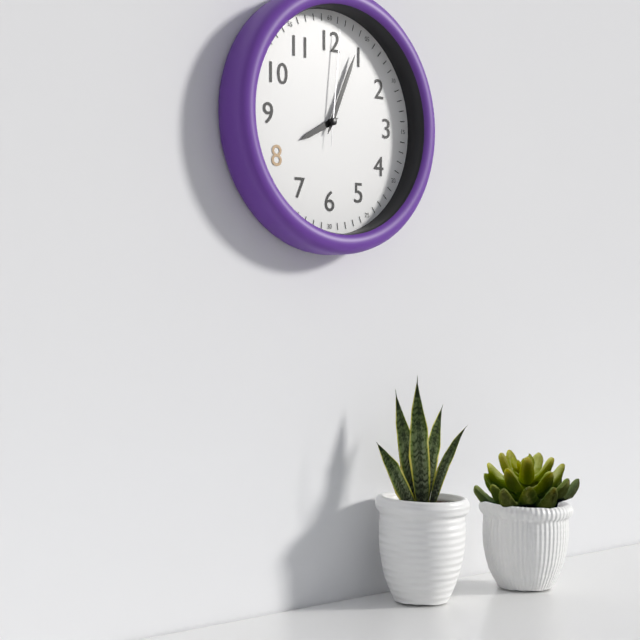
**8:04:01**
